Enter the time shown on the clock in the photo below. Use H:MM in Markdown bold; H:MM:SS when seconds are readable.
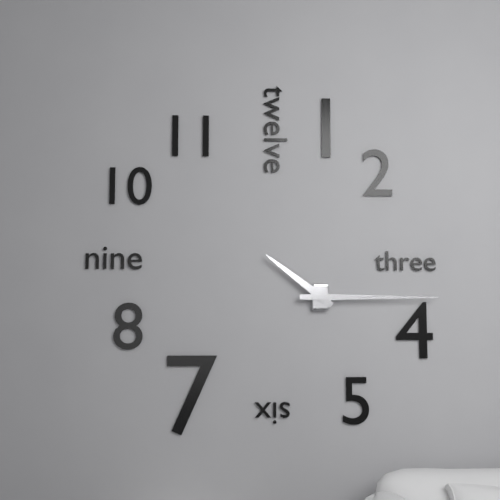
**10:15**
